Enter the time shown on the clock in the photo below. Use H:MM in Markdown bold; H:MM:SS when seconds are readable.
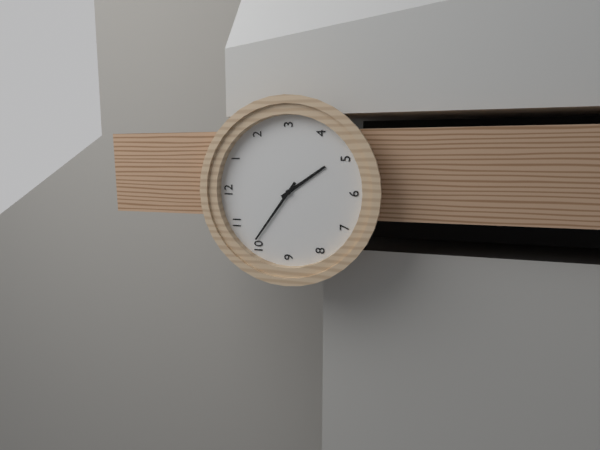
**4:51**
